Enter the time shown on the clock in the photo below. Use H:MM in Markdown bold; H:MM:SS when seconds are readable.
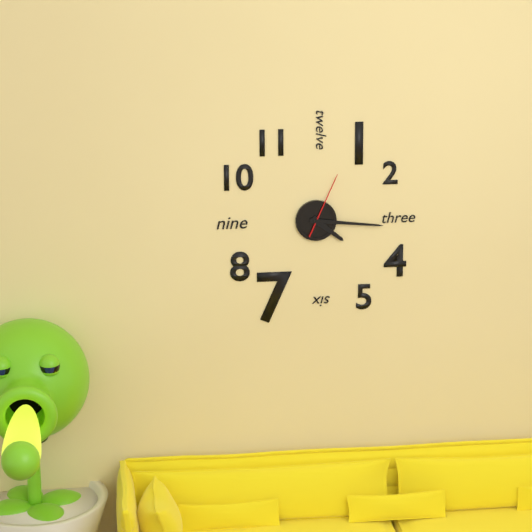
**4:16:04**
